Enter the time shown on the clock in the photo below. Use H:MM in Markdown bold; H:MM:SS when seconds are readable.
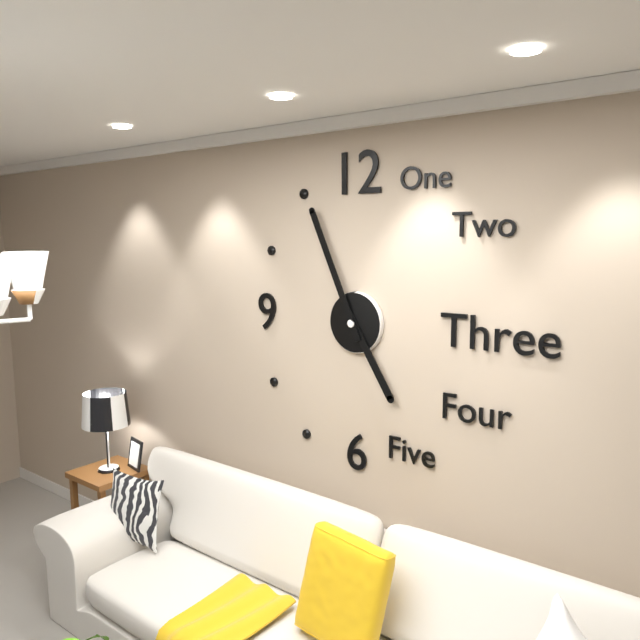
**4:56**
